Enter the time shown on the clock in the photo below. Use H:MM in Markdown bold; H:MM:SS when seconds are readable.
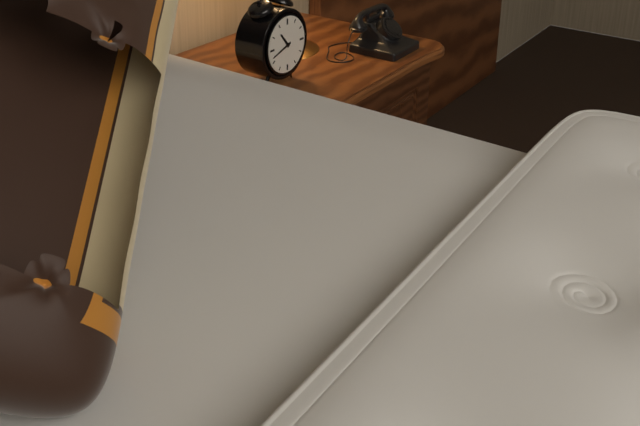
**10:42**
